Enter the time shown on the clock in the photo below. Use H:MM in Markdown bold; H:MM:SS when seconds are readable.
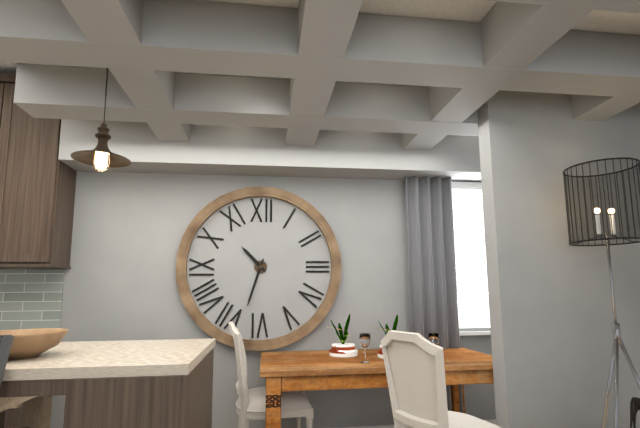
**10:33**
